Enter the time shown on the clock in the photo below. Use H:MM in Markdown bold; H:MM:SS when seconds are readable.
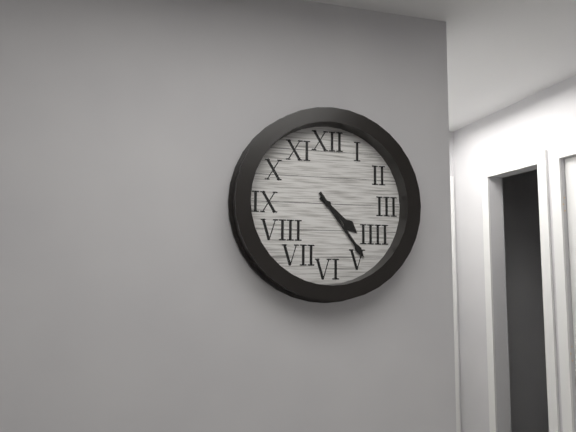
**4:24**
